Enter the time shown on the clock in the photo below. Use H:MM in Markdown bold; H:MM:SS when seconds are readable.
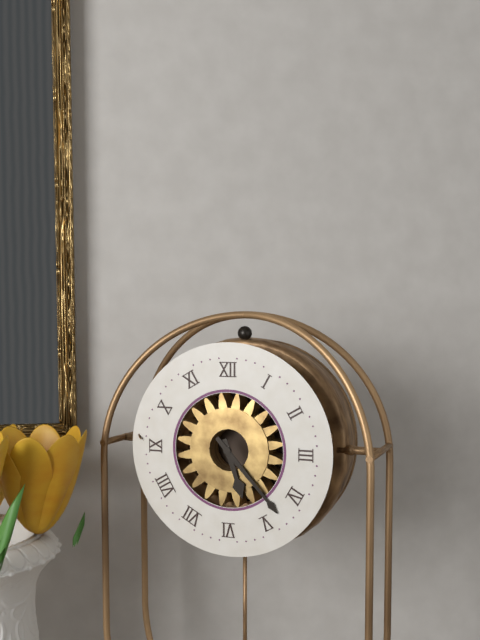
**5:23**
